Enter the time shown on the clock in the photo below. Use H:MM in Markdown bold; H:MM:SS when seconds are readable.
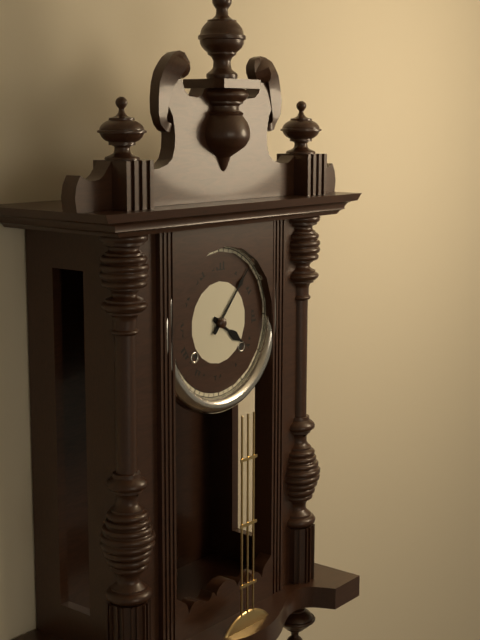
**4:07**
